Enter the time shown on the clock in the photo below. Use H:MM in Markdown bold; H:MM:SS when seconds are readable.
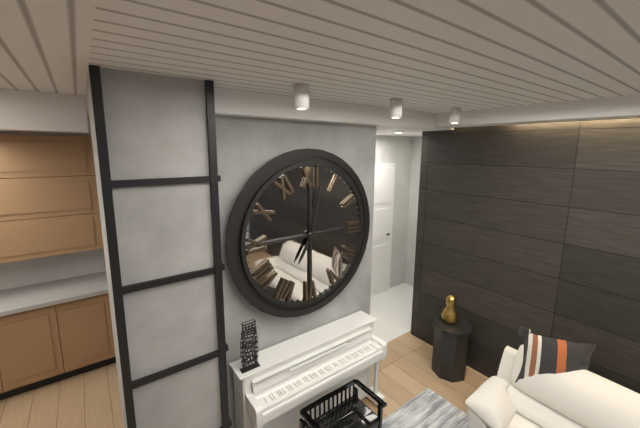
**7:02**
